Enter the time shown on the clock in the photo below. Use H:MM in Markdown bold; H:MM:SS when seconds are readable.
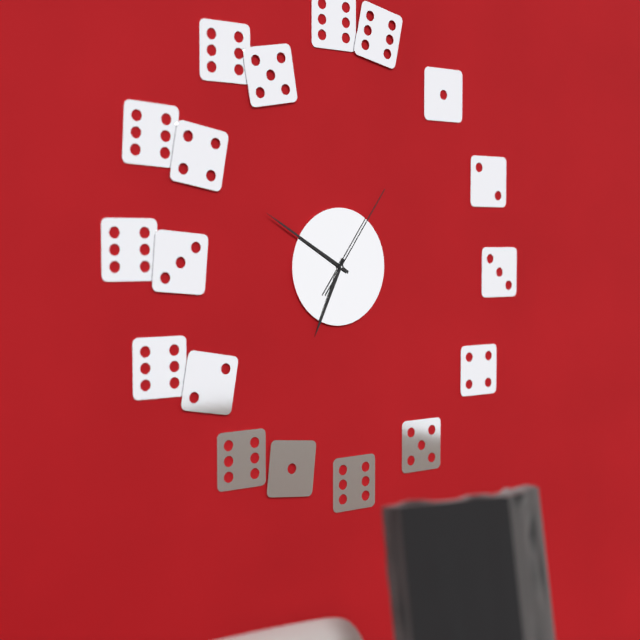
**6:50:06**
